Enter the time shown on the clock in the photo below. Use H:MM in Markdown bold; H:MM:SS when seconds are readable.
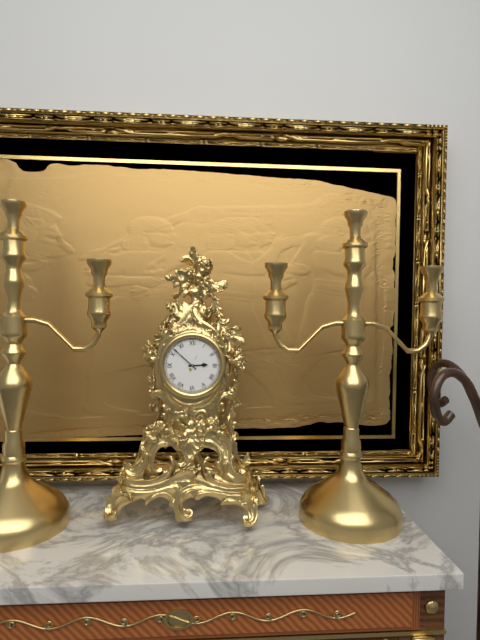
**2:52**
